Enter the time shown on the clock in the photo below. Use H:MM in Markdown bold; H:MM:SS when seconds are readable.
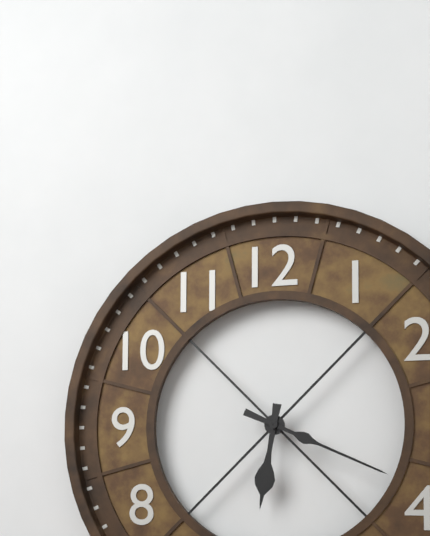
**6:19**
